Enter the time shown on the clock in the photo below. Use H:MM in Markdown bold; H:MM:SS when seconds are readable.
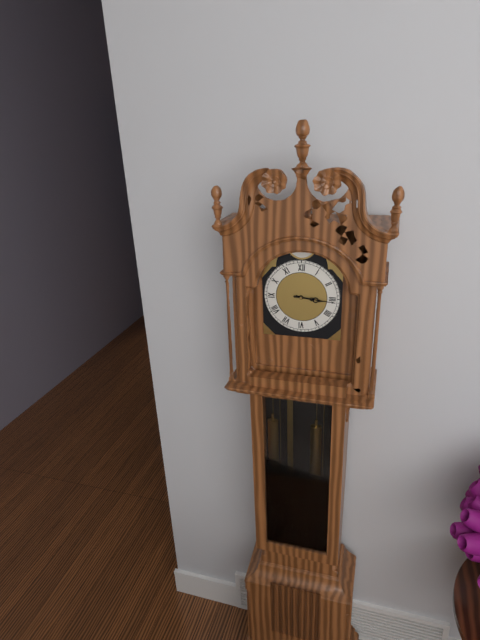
**3:16**
